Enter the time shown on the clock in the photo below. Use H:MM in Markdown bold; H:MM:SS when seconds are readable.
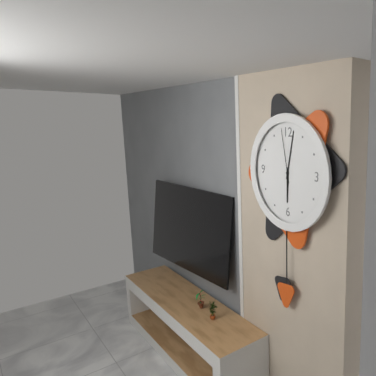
**6:02:58**
